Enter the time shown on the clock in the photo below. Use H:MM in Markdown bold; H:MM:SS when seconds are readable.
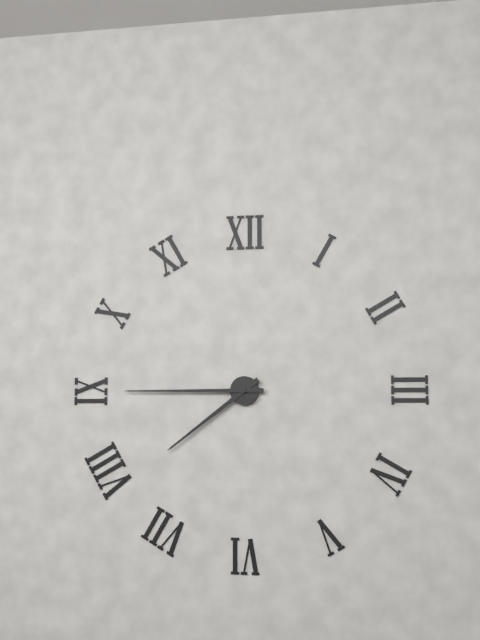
**7:45**
